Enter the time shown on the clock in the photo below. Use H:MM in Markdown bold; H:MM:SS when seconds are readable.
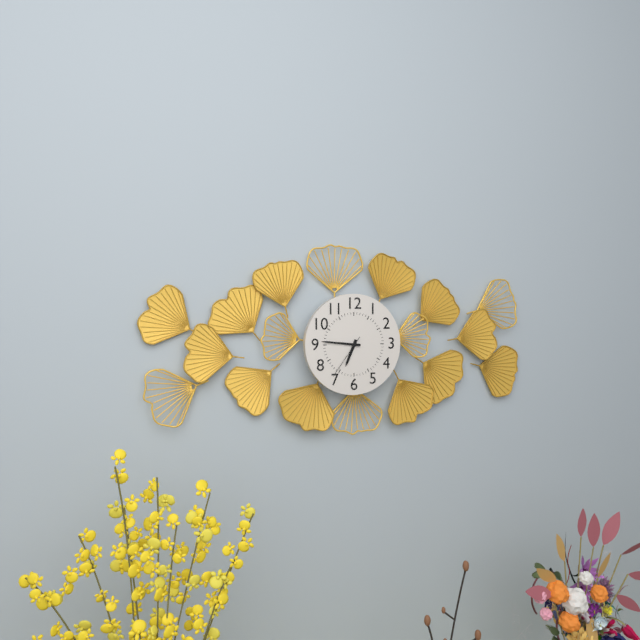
**6:46**
